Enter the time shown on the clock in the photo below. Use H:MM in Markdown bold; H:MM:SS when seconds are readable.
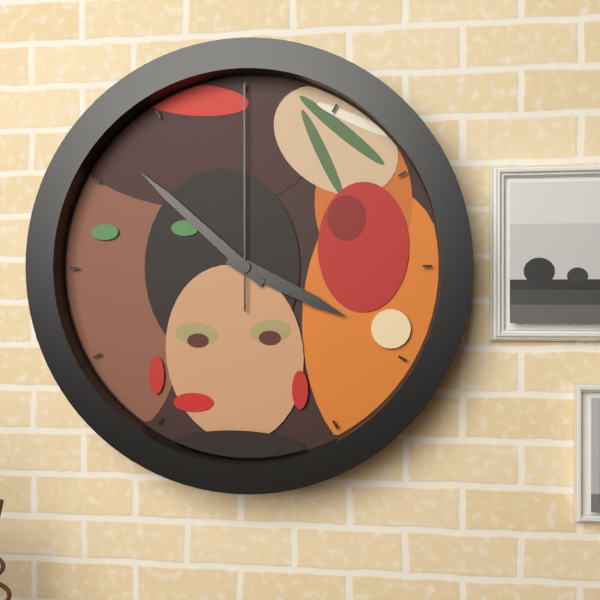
**3:52:00**
